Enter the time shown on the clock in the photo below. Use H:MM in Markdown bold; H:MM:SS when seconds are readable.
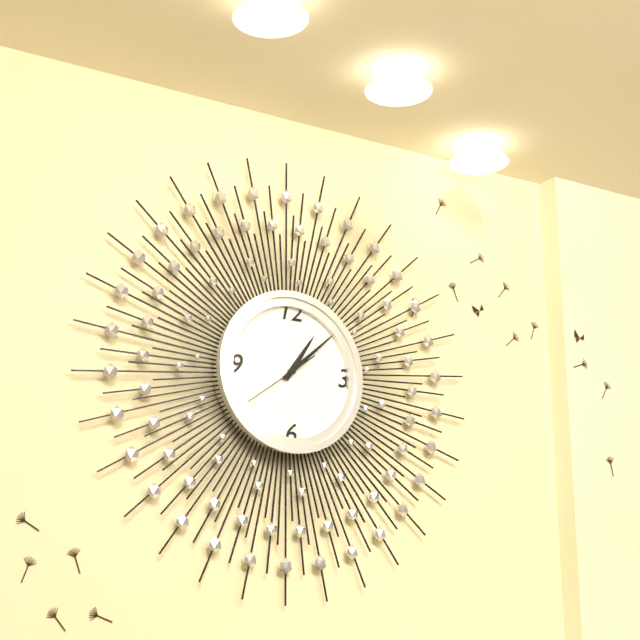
**1:08:39**
